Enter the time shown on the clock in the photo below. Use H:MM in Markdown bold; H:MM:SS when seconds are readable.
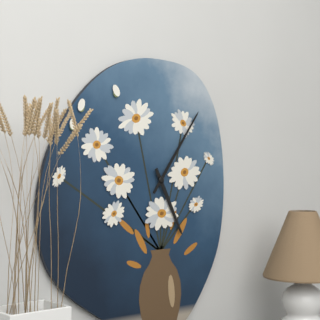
**5:06**
